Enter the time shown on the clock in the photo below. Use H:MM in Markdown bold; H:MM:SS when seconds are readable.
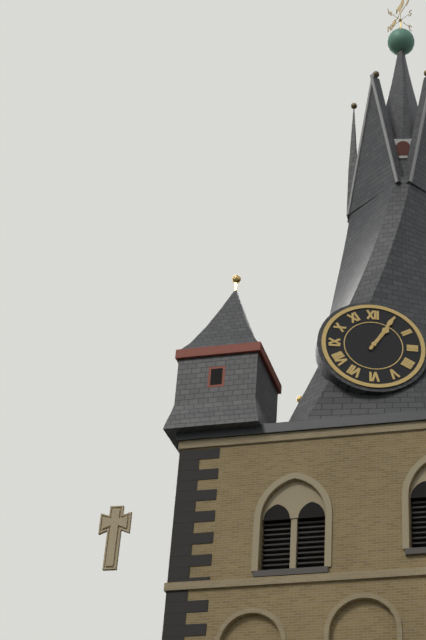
**1:05**
